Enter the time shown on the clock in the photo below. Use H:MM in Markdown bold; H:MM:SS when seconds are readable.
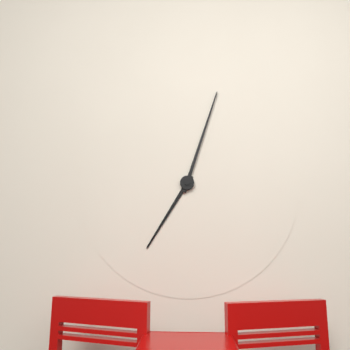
**7:03**
